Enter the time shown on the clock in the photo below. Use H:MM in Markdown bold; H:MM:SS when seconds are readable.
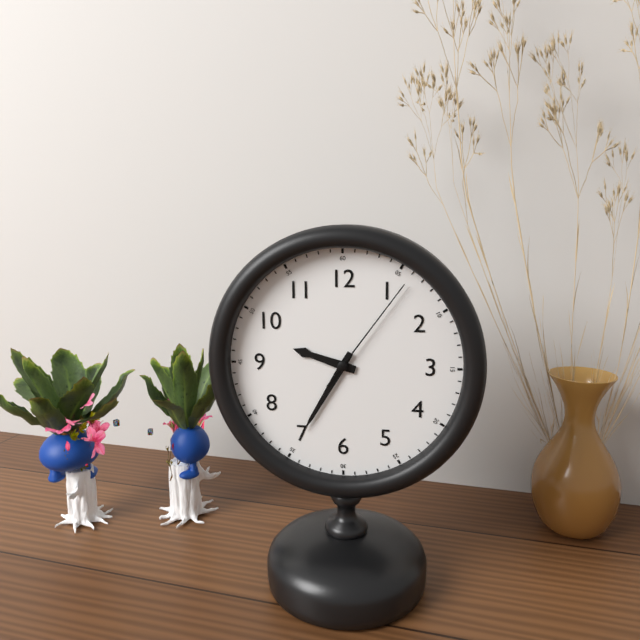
**9:35:06**
